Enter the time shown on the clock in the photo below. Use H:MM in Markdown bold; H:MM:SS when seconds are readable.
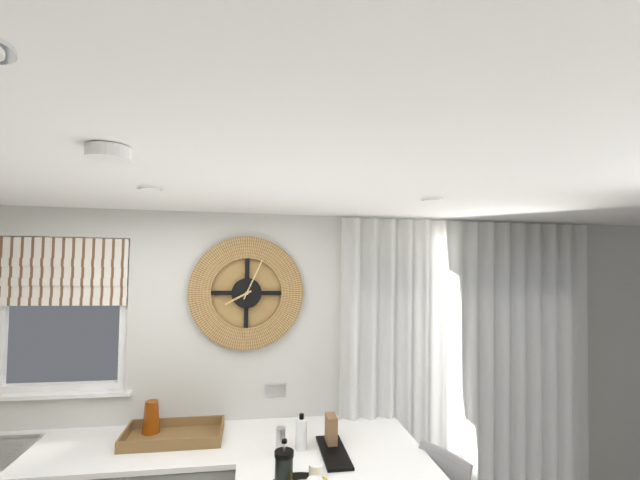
**8:04**
